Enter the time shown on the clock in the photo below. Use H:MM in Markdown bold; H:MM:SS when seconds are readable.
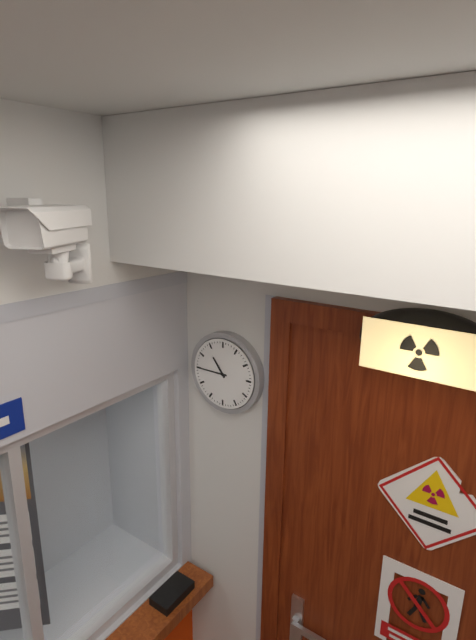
**10:45**
